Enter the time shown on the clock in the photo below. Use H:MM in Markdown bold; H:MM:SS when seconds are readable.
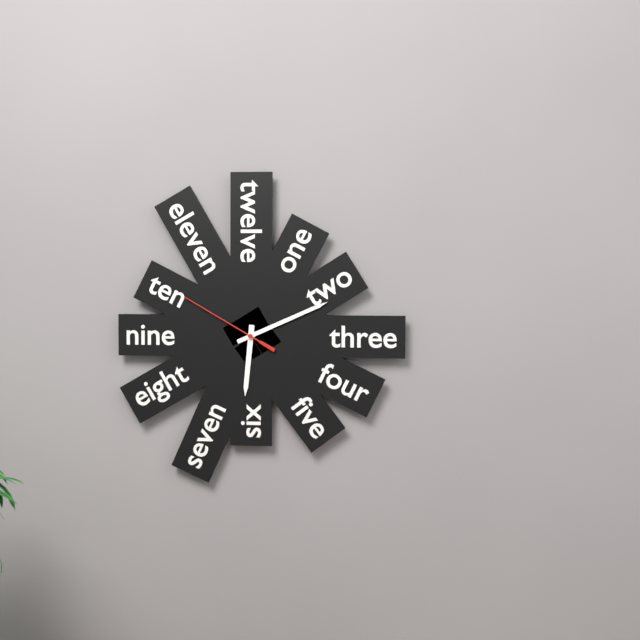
**6:11:50**
